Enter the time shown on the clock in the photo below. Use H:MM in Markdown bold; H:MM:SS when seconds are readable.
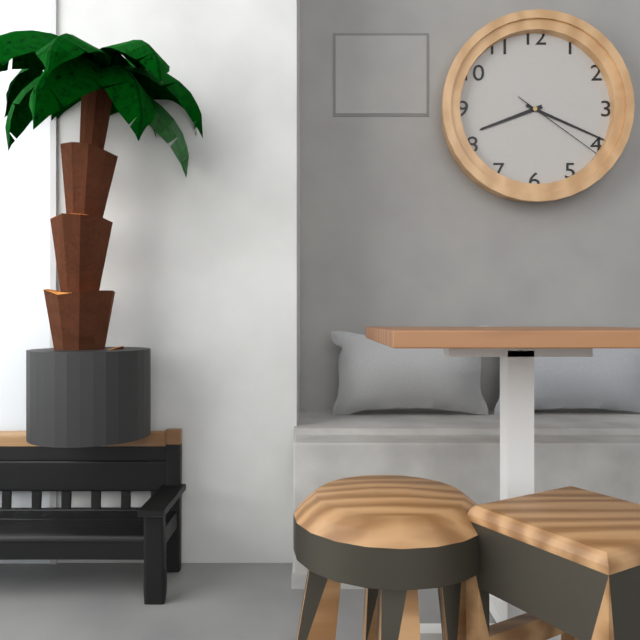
**8:19:21**
